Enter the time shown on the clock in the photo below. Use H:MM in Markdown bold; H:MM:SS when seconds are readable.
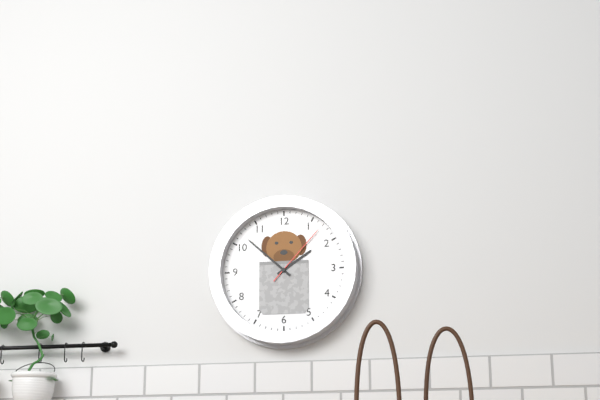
**1:52:07**
